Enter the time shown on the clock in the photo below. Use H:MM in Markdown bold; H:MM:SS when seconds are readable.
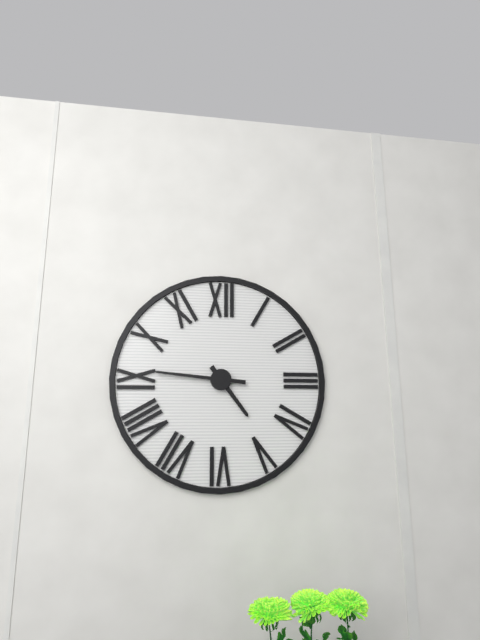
**4:46**
